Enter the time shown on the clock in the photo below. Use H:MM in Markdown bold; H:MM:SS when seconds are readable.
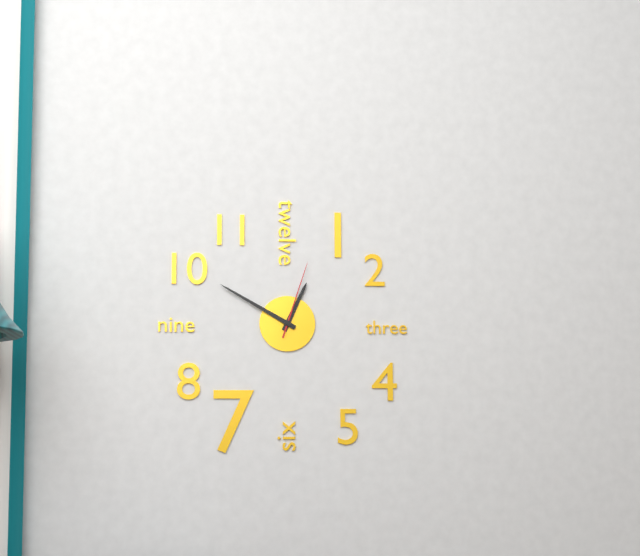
**12:50:03**
